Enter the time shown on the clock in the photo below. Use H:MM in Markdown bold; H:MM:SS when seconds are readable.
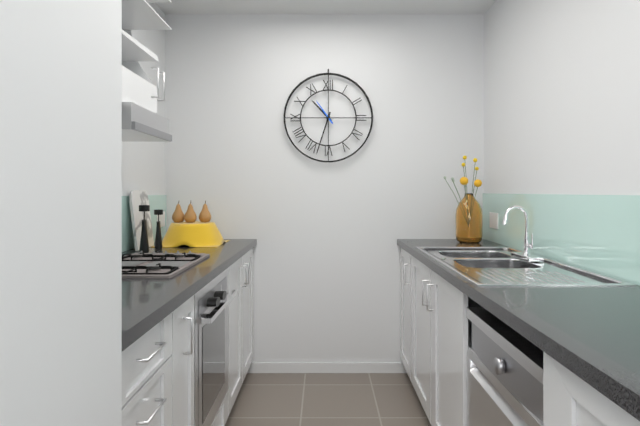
**10:33**
